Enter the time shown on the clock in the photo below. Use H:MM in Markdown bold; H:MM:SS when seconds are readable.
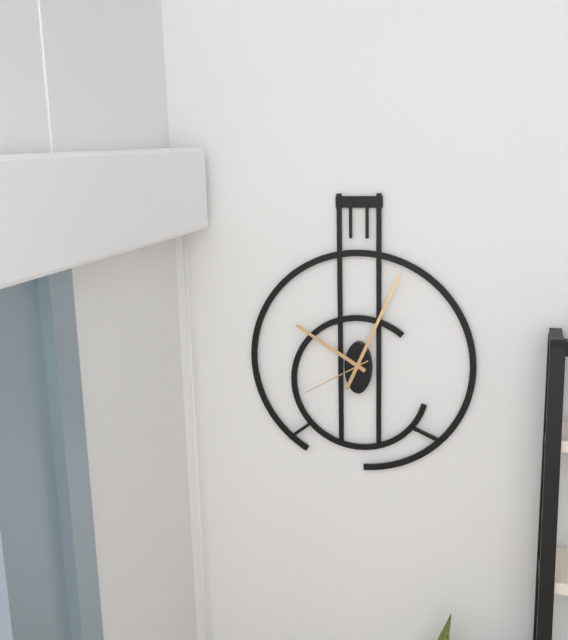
**10:04:40**
